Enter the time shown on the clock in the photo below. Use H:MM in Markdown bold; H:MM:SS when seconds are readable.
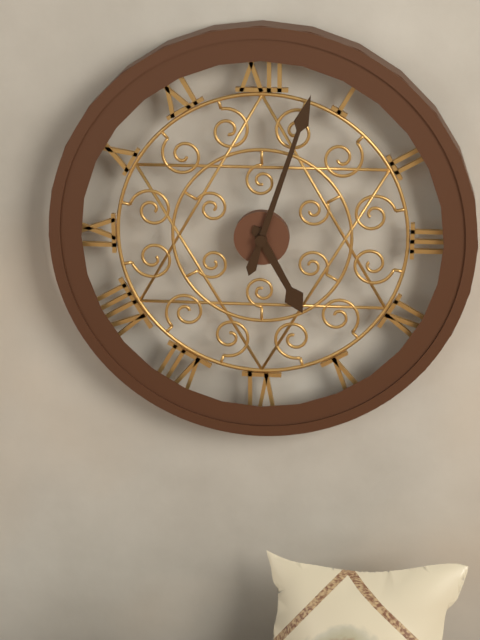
**5:03**
